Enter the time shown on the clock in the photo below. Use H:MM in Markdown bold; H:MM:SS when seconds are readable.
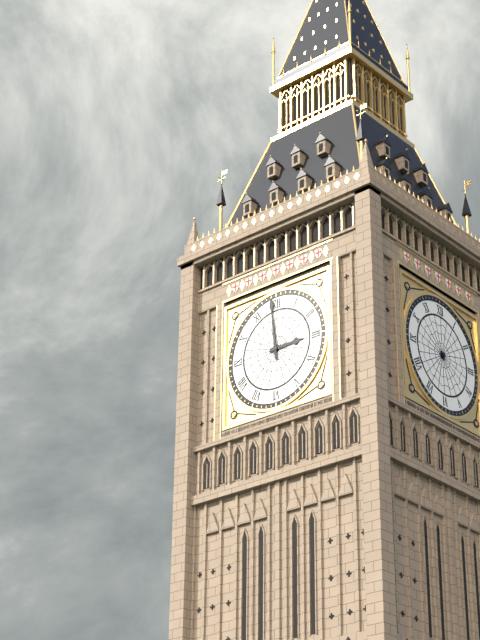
**2:59**
